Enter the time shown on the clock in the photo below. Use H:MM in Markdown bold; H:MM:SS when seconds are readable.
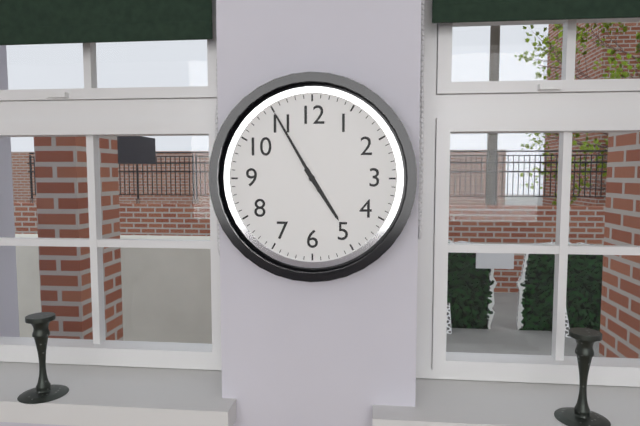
**4:55**
